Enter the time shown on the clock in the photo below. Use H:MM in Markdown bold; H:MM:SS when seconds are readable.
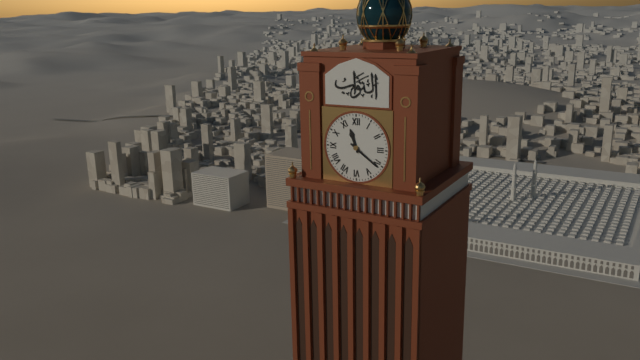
**11:21**
